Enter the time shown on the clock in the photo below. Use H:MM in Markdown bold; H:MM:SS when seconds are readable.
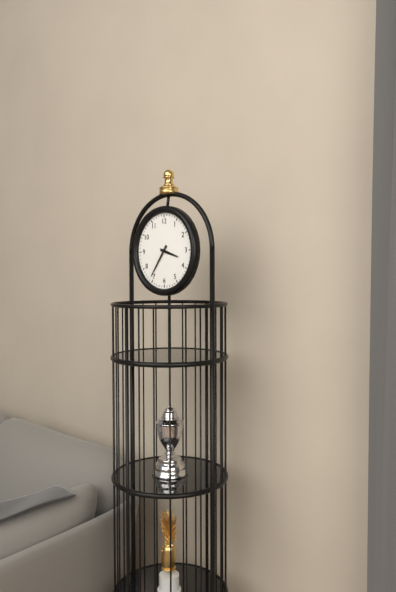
**3:36**
